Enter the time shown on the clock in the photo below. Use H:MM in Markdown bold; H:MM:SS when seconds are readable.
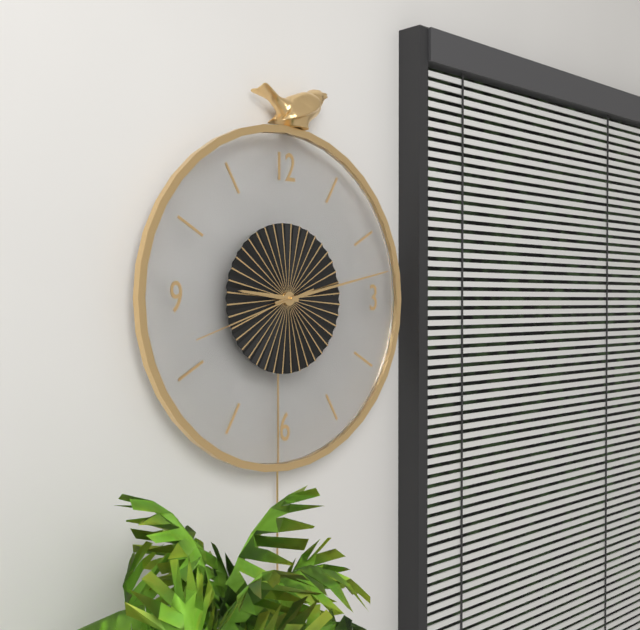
**9:13:42**
